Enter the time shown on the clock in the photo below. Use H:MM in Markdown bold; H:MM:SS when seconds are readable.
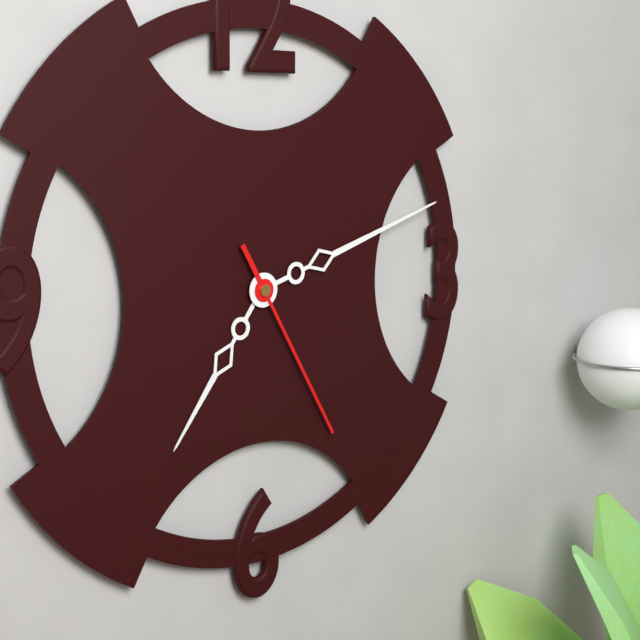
**7:12:25**
